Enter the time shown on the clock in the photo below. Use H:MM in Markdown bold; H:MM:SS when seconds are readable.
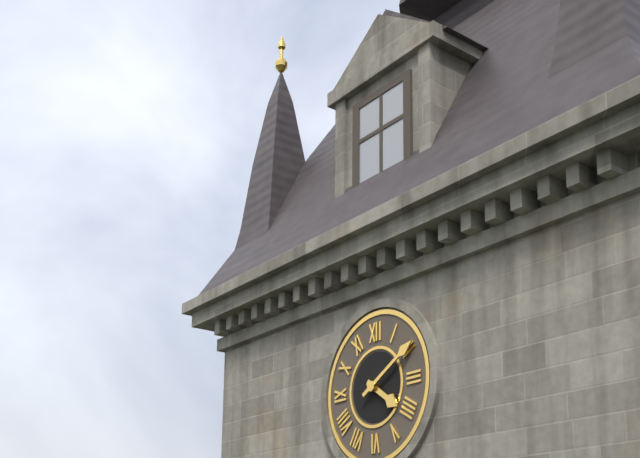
**4:10**
